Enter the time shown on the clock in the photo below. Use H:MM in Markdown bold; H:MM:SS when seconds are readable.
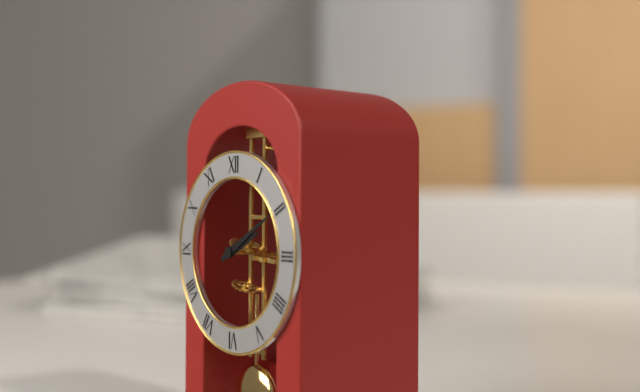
**2:10**
